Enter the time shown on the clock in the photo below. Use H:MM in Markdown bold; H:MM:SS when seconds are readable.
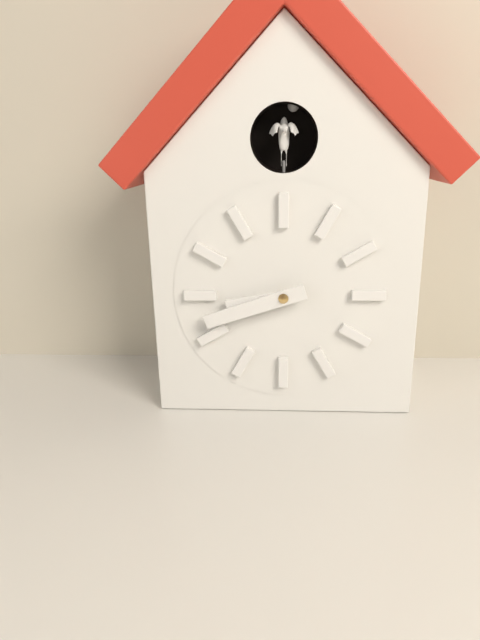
**8:42**
